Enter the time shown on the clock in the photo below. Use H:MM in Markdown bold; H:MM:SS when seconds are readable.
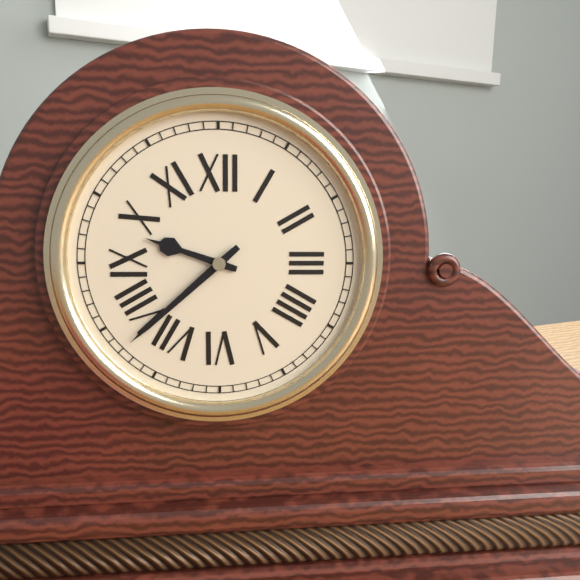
**9:38**
